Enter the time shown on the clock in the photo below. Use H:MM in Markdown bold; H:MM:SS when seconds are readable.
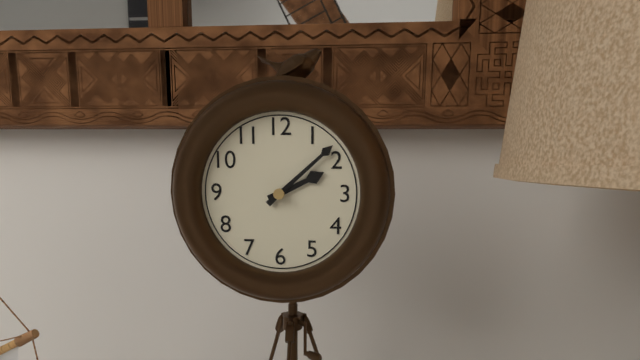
**2:08**
